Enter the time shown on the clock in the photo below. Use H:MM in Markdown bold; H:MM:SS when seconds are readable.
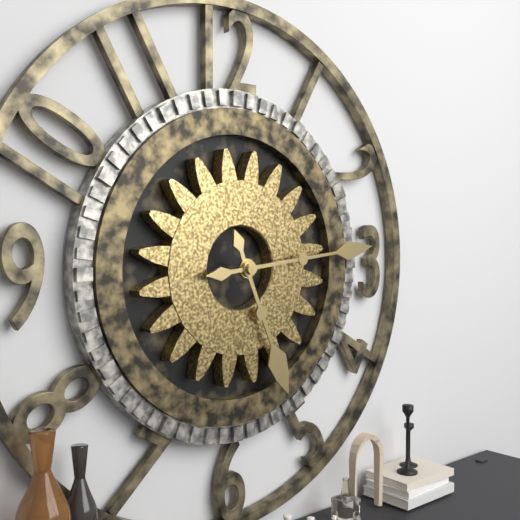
**5:14**
